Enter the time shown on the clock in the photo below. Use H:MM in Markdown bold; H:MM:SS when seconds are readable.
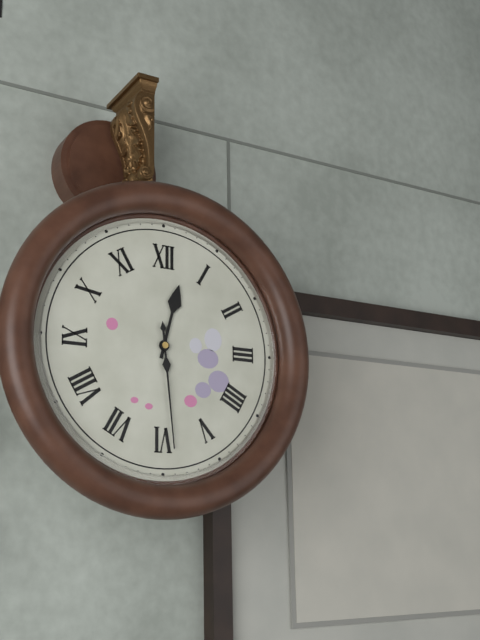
**12:29**
